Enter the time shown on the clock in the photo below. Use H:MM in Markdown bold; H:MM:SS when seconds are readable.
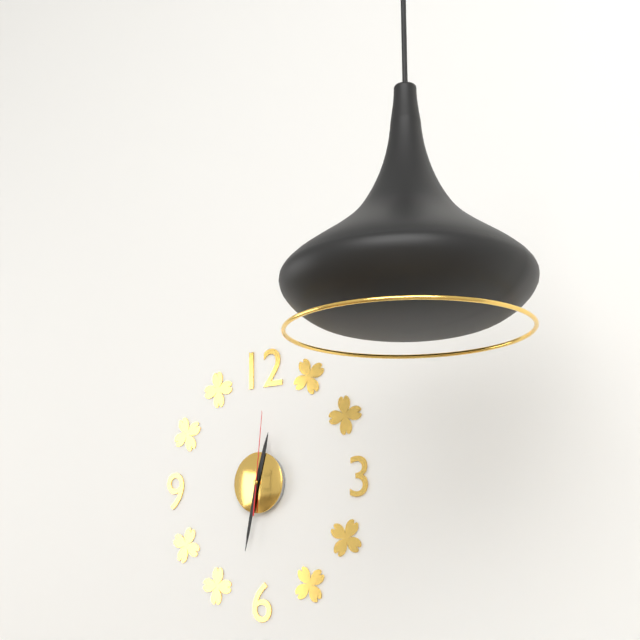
**12:32:01**
